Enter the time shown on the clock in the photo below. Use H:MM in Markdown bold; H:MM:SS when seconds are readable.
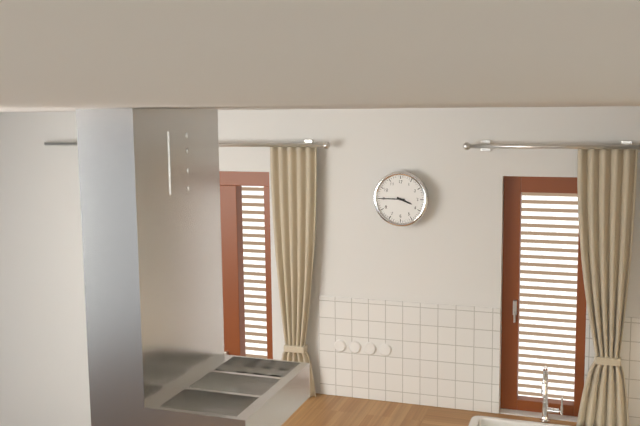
**3:45**
